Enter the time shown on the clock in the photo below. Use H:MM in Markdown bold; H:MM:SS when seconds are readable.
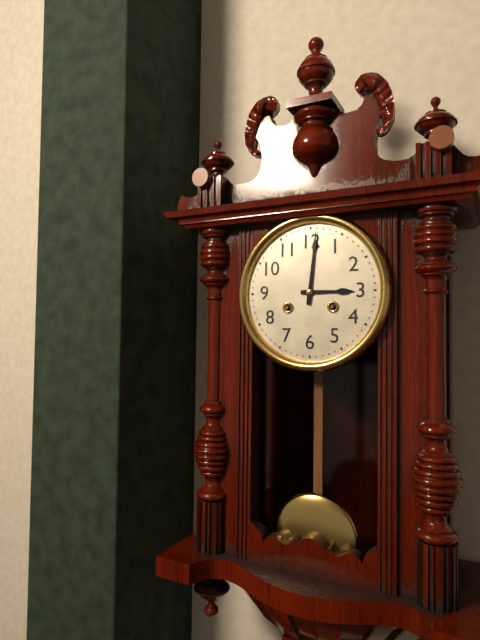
**3:01**
